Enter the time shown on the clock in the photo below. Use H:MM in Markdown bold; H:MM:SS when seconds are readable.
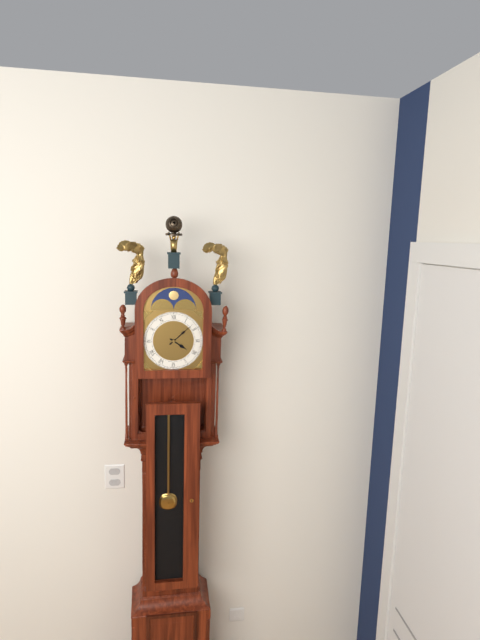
**4:08**
